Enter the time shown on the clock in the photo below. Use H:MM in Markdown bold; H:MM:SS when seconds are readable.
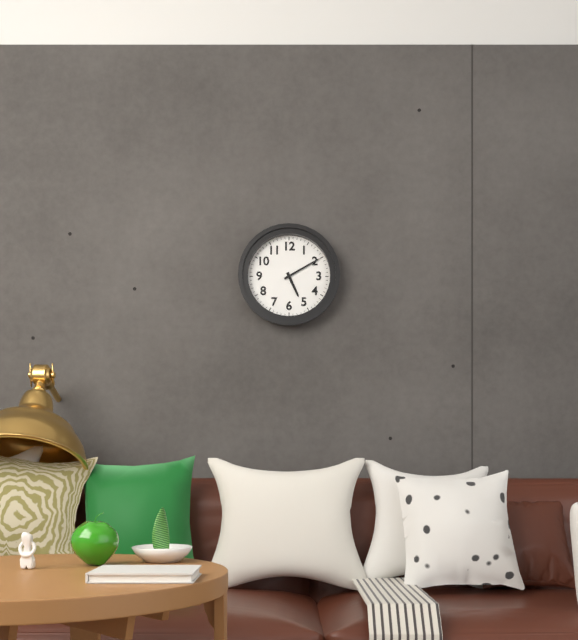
**5:10**
